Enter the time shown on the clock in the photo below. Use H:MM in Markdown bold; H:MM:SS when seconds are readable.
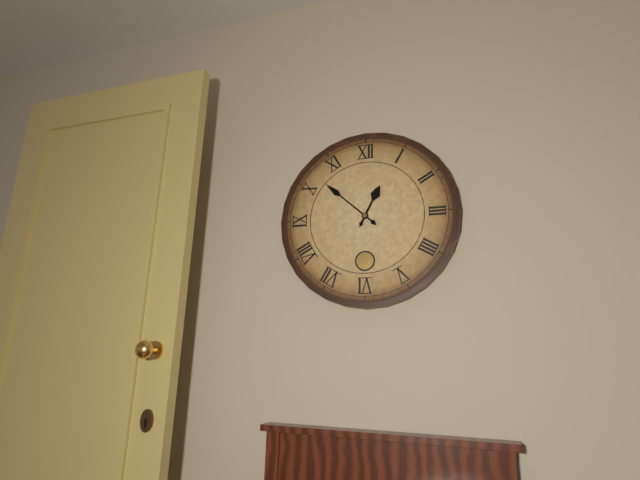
**12:52**
